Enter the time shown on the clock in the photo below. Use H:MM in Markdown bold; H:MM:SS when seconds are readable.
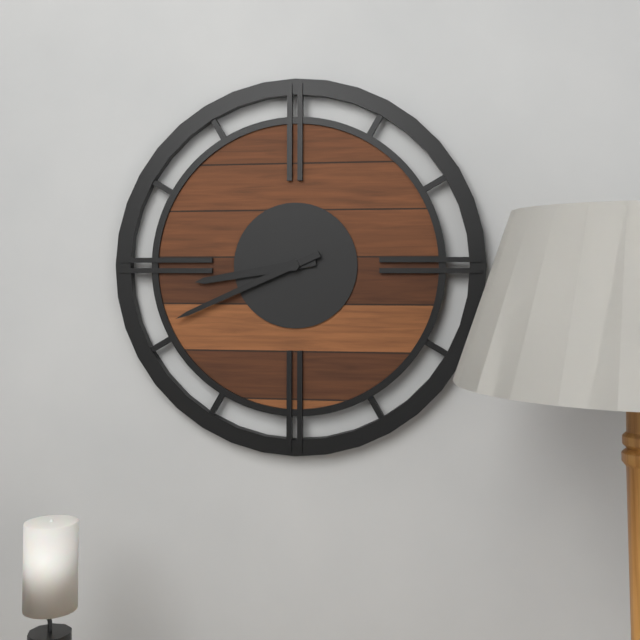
**8:41**
